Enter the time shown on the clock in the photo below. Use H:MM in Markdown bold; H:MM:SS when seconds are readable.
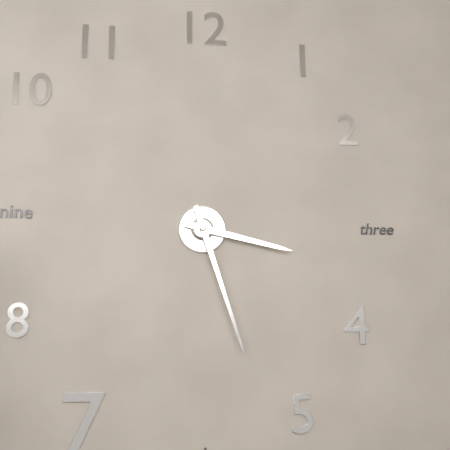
**3:27**
